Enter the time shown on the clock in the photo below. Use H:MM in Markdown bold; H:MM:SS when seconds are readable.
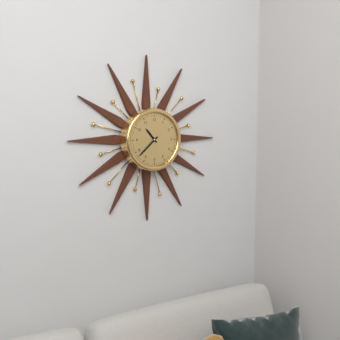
**10:38**
